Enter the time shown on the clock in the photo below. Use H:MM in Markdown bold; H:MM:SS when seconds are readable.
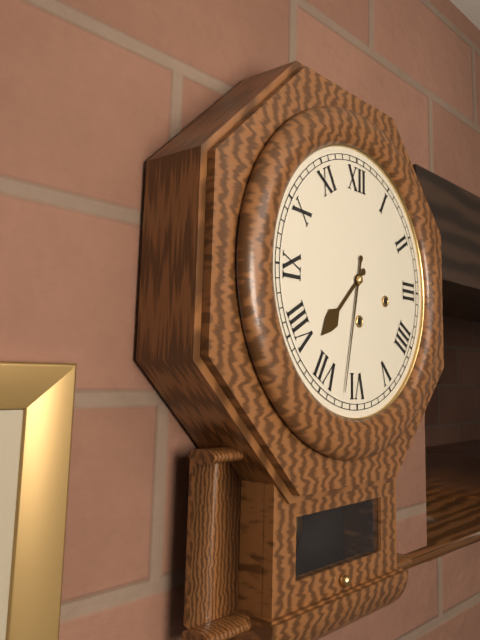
**7:32**
